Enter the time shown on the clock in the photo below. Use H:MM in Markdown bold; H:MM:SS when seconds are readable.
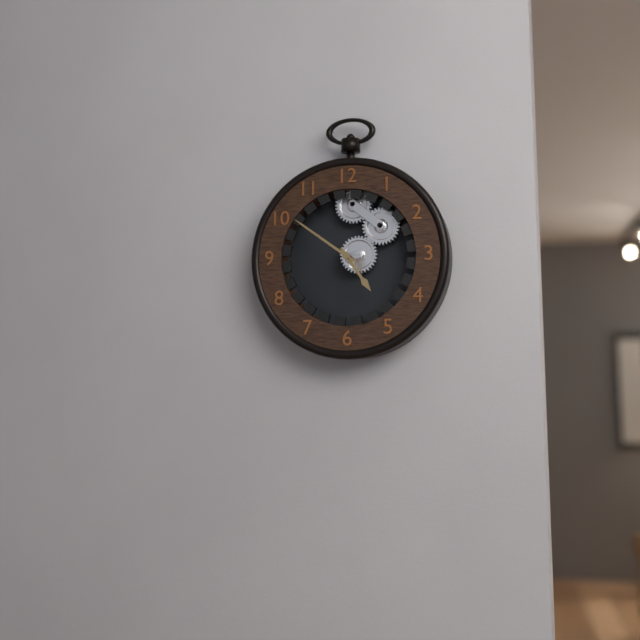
**4:51**
